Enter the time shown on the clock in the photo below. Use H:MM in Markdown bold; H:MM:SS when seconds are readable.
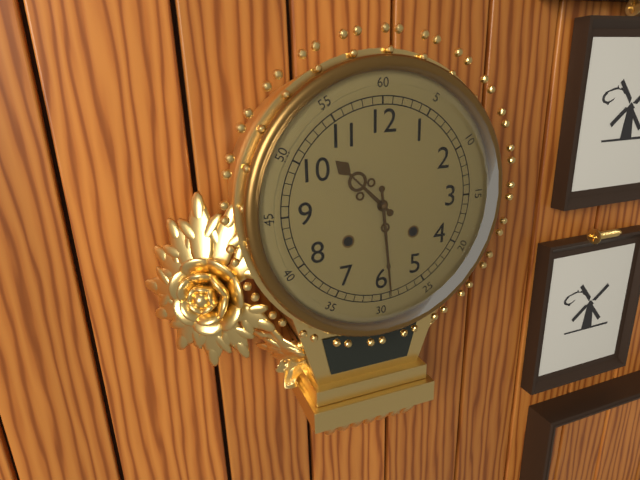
**10:29**
